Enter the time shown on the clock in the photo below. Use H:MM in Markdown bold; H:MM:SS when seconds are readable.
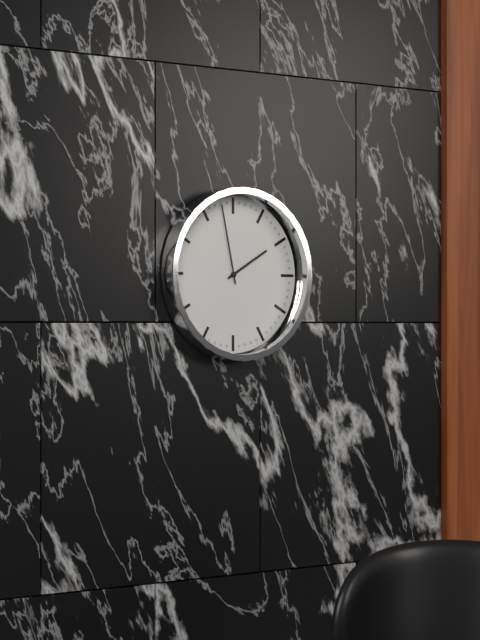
**1:58**
